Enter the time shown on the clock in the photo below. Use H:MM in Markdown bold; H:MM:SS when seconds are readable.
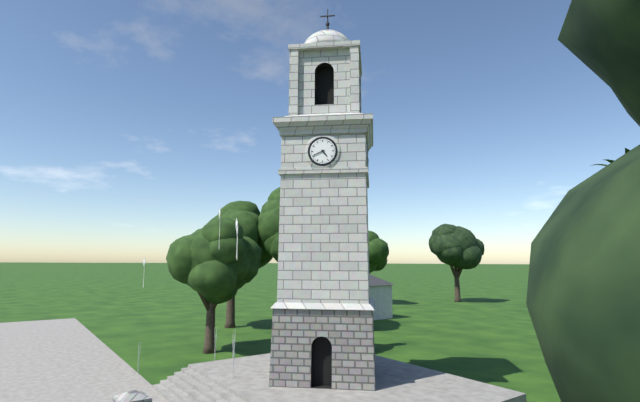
**4:41**
